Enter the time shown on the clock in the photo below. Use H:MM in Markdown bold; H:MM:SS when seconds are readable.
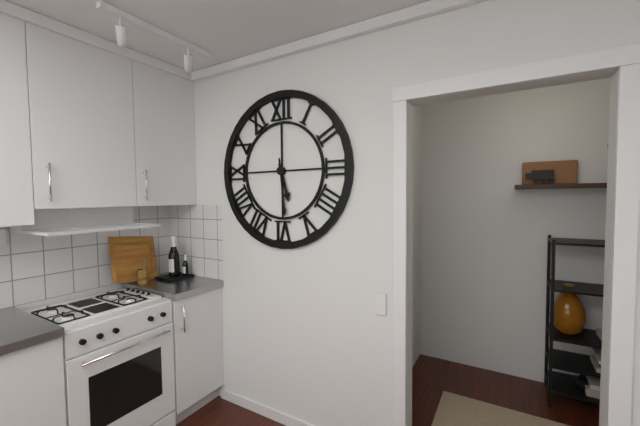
**5:29**
